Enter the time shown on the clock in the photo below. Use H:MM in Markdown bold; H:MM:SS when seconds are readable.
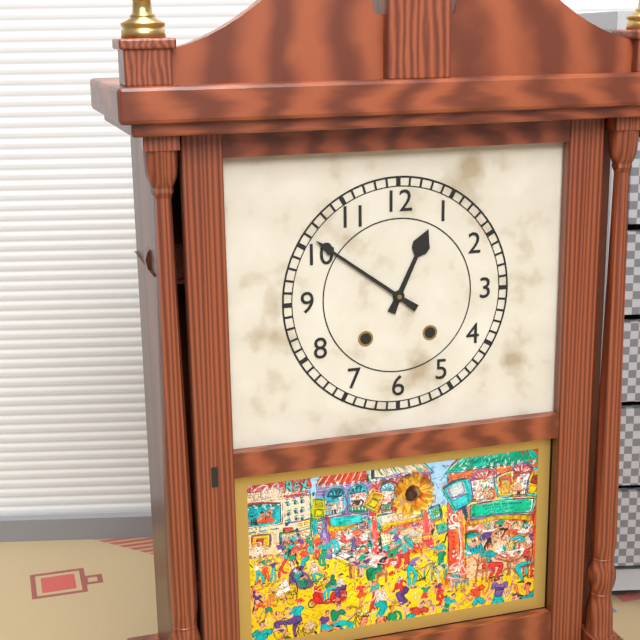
**12:51**
